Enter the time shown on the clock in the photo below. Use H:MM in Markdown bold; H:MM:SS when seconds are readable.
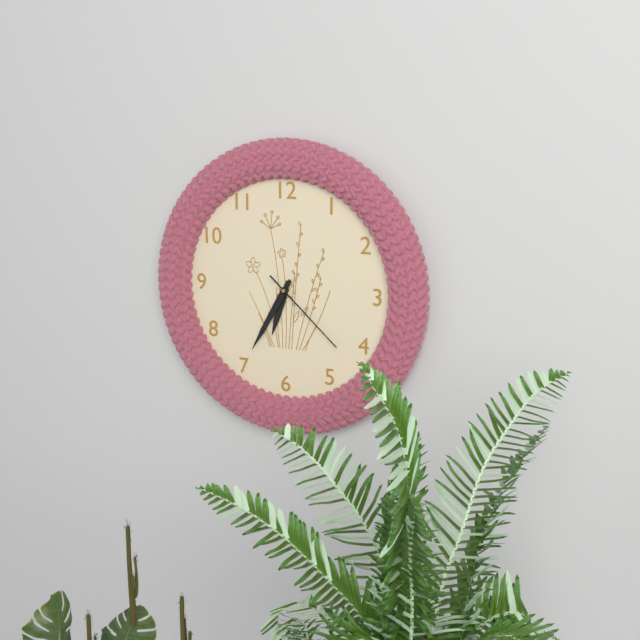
**6:35:22**
